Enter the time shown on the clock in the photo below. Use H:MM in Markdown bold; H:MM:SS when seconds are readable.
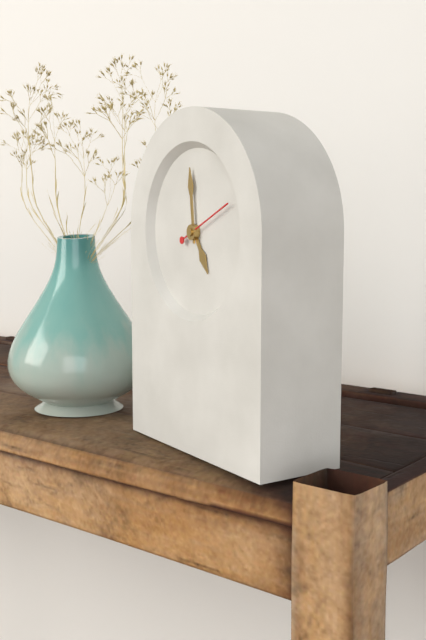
**4:59:11**
